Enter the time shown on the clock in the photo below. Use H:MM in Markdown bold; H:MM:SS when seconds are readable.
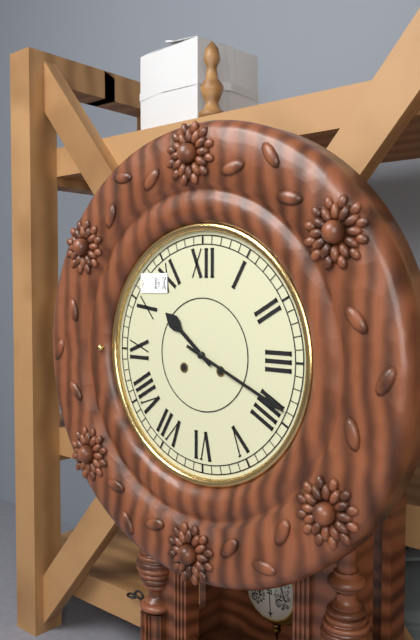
**10:19**
